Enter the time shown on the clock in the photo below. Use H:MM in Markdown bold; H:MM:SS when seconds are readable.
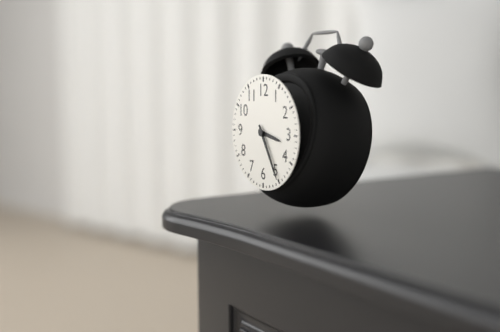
**3:25**
